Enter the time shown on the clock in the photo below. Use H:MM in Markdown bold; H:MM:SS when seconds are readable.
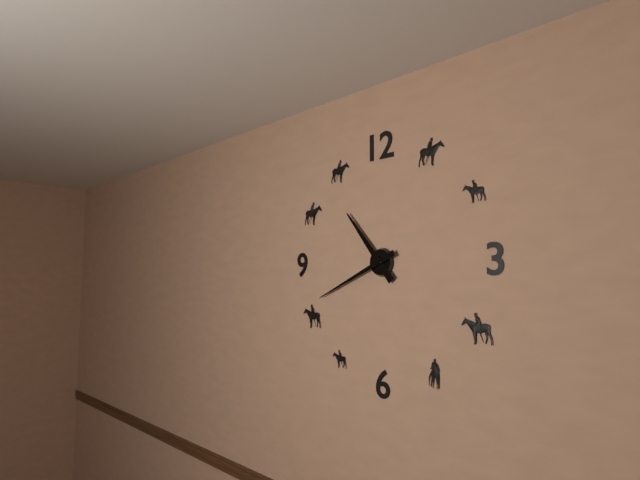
**10:41**
